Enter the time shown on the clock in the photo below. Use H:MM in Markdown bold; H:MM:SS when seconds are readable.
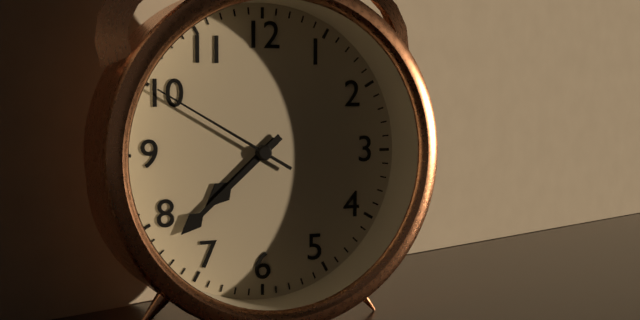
**7:38:50**
